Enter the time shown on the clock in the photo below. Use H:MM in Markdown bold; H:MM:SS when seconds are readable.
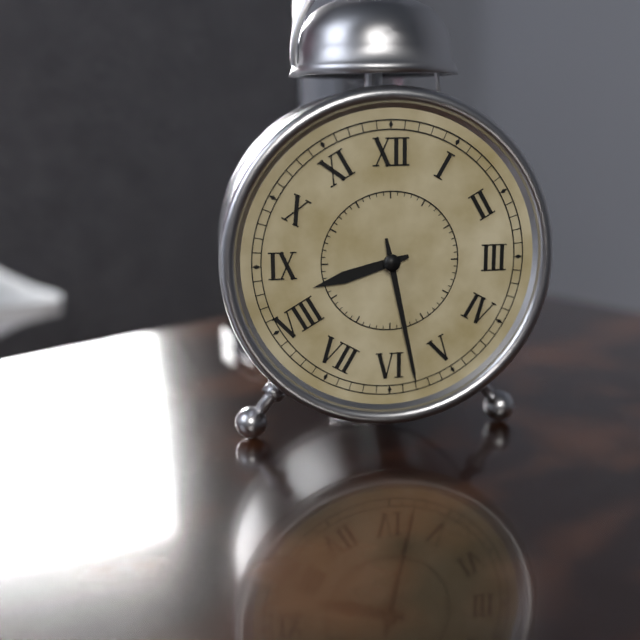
**8:28**
